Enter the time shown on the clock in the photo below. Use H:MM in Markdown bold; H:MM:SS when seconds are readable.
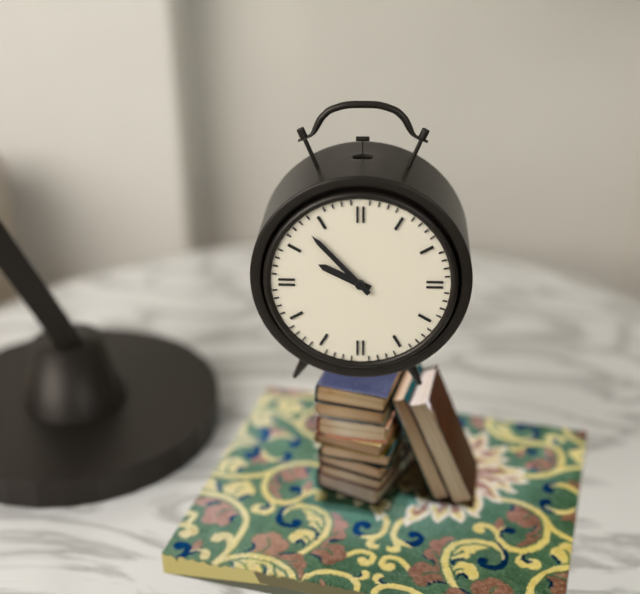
**9:53**
